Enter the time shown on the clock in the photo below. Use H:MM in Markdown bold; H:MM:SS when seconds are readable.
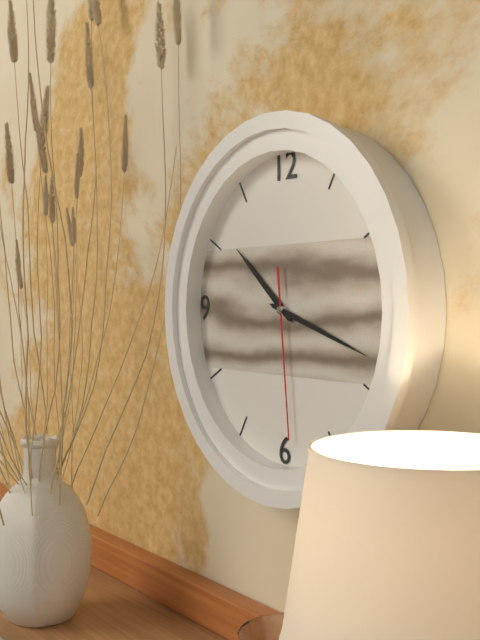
**10:18:29**
